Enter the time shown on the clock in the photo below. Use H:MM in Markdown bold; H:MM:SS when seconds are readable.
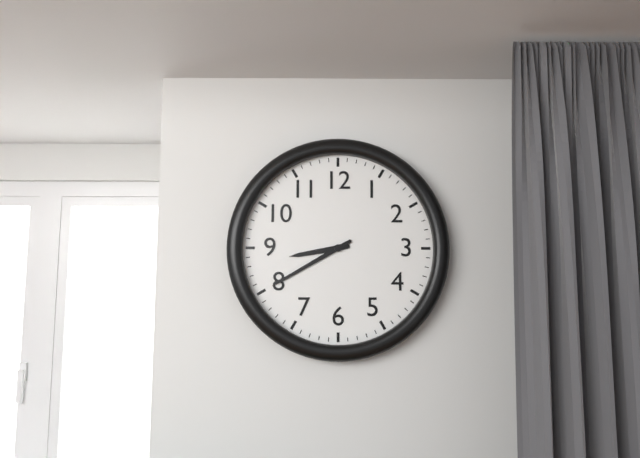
**8:40**
